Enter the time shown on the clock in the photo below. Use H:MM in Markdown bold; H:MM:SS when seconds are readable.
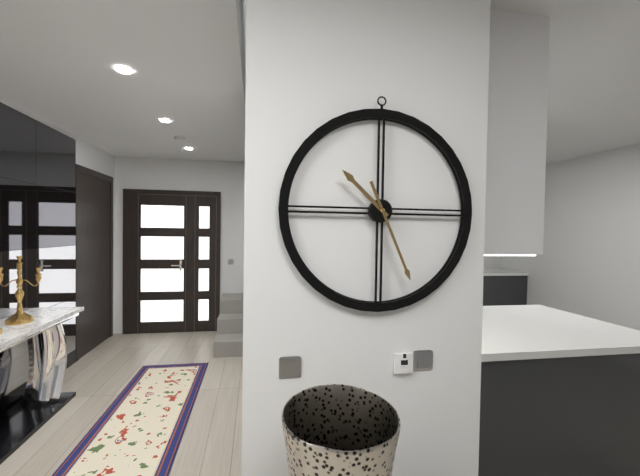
**10:26**
